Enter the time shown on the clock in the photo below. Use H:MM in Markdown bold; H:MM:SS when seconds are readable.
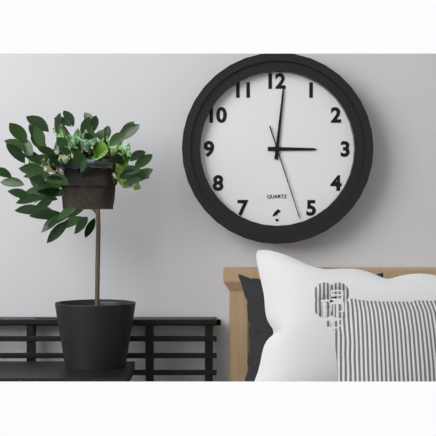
**3:01:27**
